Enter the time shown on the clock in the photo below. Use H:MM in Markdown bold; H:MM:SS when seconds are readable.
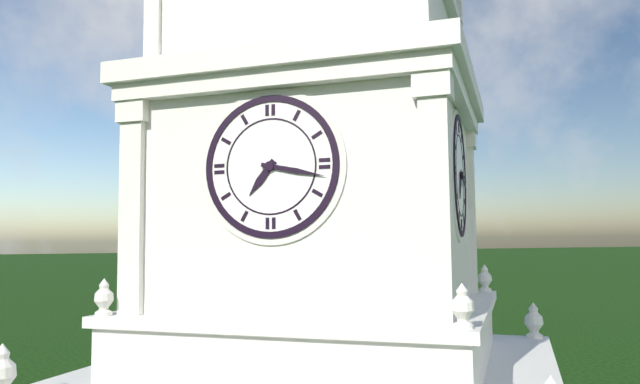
**7:17**
